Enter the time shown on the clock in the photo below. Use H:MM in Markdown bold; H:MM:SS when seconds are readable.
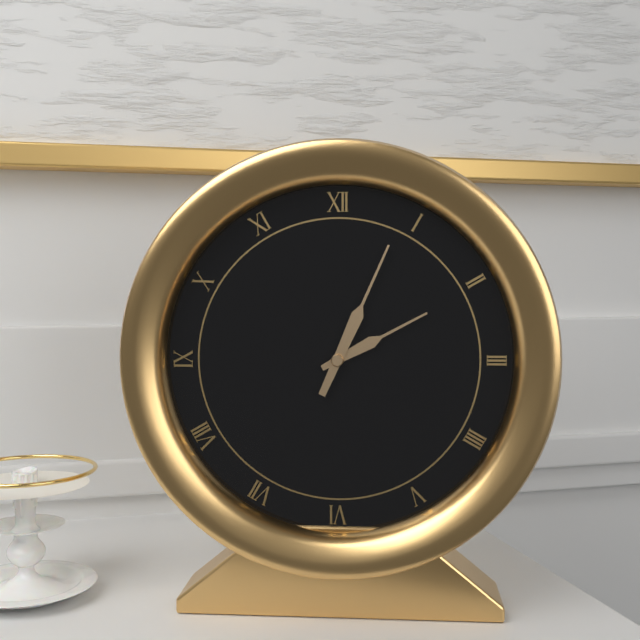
**2:04**
